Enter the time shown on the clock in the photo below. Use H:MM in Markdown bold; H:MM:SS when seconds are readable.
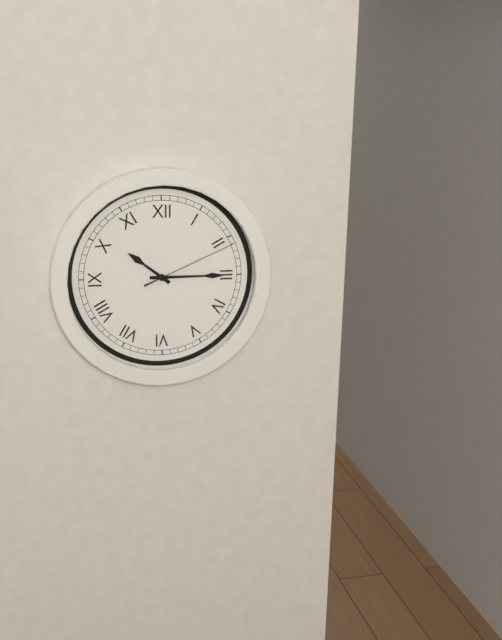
**10:15:11**
